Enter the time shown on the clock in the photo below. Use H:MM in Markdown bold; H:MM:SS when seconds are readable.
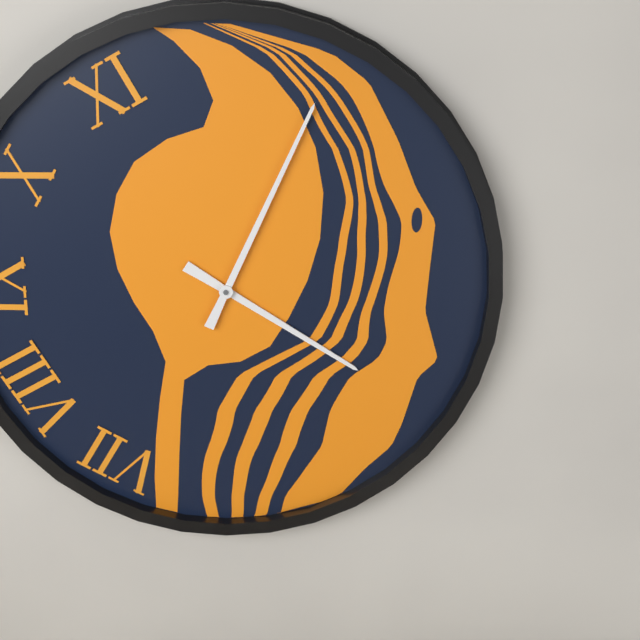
**4:04**
